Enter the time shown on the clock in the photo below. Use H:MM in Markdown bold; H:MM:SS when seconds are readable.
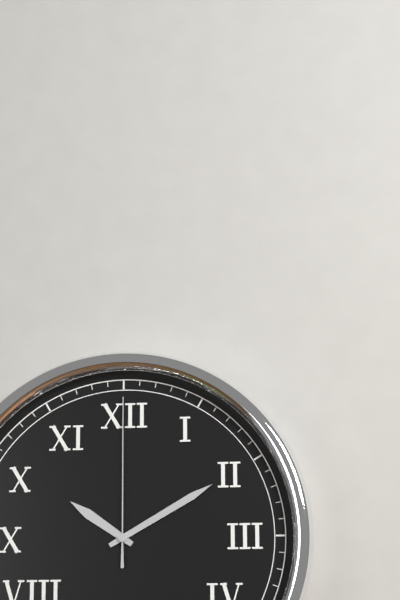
**10:10:00**
